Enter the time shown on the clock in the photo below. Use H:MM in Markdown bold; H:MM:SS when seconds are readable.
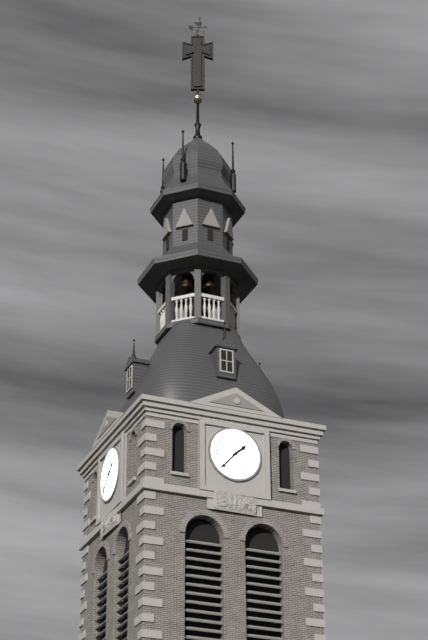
**1:37**
